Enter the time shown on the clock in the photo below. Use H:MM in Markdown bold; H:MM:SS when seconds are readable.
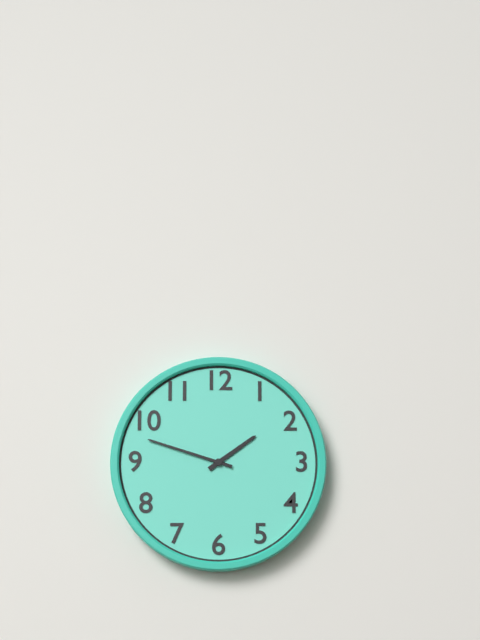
**1:48**
